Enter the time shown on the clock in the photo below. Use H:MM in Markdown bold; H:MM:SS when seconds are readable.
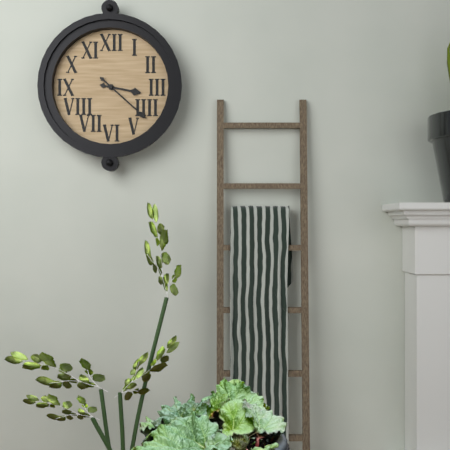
**3:22**
